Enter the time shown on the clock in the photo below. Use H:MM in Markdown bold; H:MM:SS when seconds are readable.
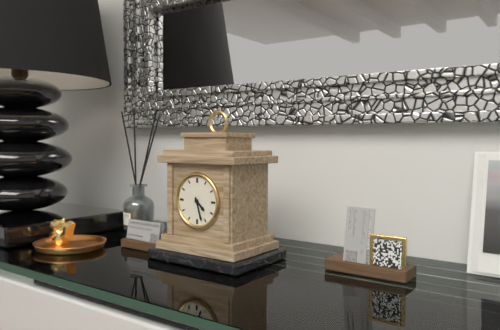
**4:27**
